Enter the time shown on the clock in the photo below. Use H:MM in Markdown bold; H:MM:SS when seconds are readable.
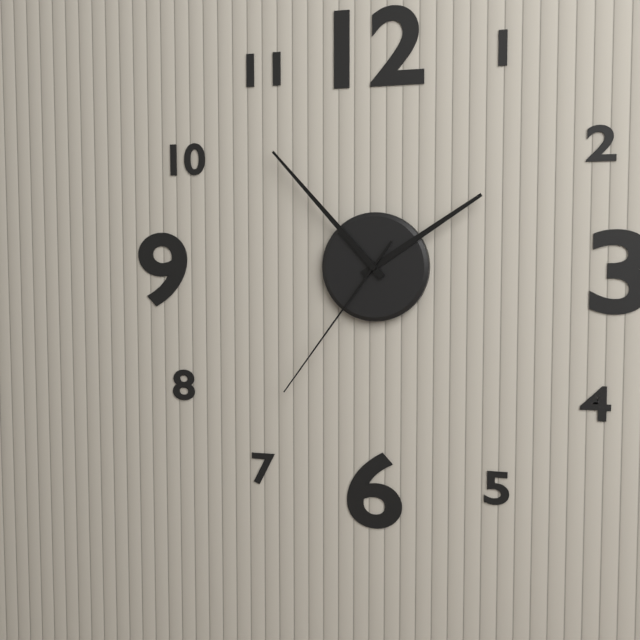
**1:53:36**
